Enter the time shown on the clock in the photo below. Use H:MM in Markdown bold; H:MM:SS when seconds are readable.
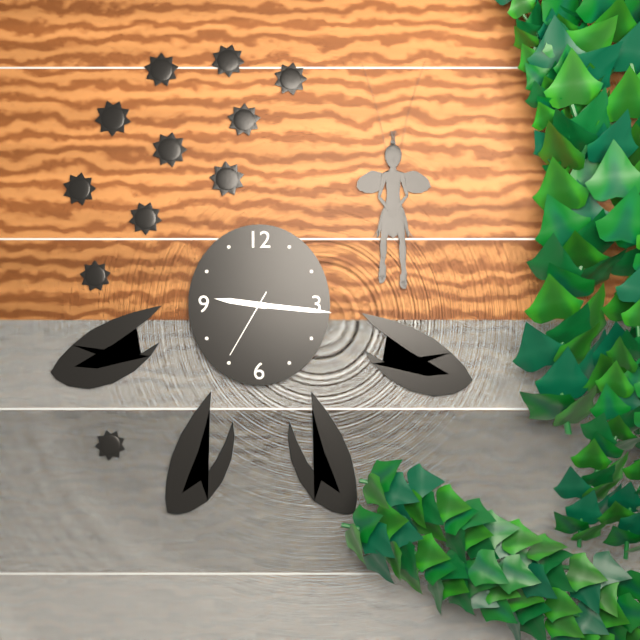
**9:16:35**
